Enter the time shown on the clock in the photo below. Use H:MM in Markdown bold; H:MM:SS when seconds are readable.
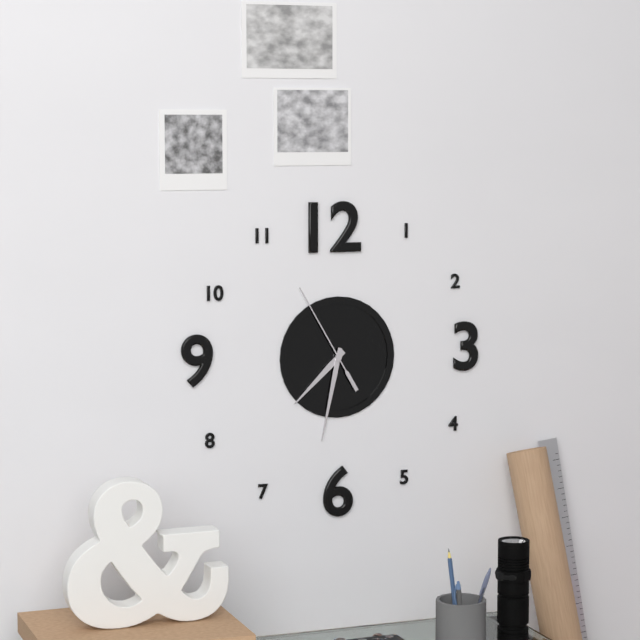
**7:32:55**
